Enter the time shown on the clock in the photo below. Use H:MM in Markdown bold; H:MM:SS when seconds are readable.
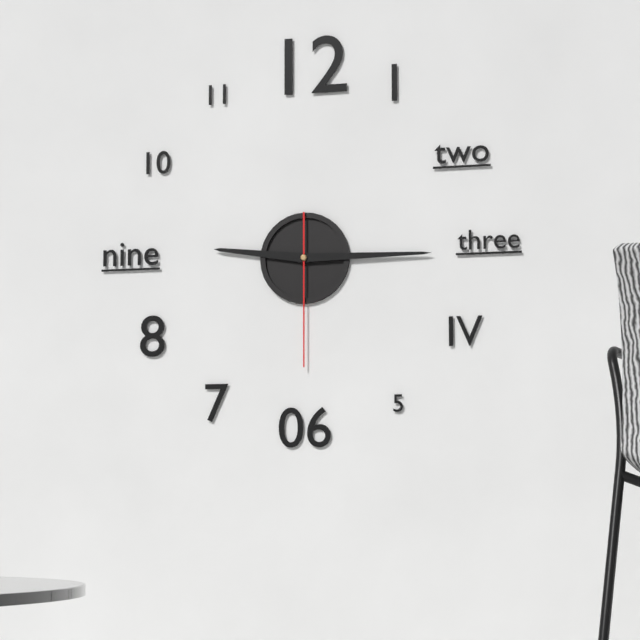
**9:15:30**
